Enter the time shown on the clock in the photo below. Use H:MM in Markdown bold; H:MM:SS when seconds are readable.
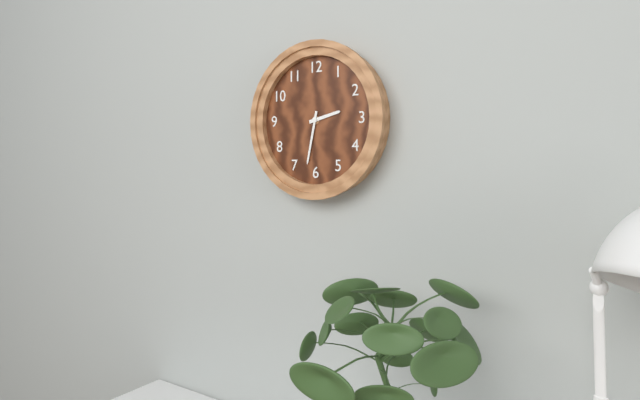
**2:32**
